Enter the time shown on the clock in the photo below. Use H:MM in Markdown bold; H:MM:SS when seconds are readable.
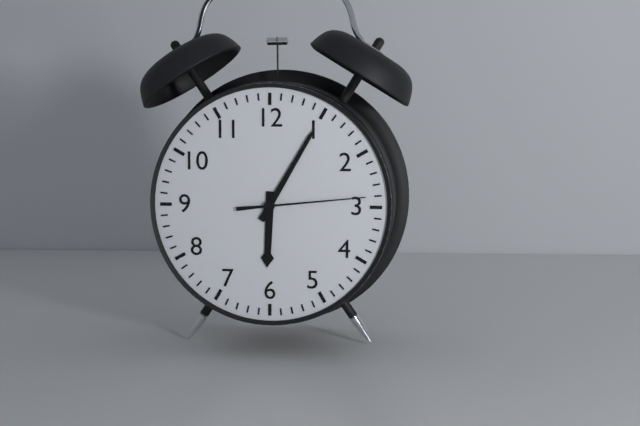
**6:05:14**
